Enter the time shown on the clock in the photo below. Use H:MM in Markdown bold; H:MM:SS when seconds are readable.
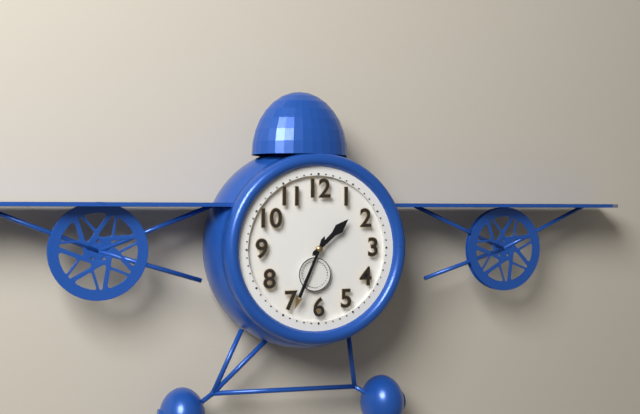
**1:34**
